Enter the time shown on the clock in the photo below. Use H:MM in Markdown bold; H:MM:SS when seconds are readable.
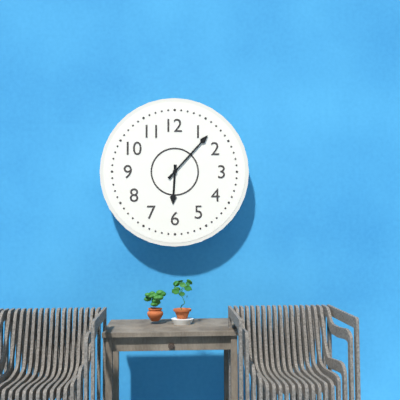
**6:07**
